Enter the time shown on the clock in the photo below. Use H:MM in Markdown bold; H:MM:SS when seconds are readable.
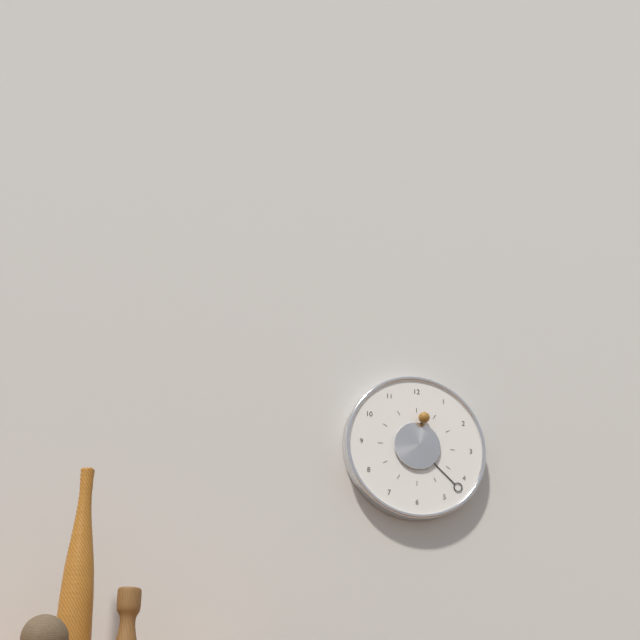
**12:22**
